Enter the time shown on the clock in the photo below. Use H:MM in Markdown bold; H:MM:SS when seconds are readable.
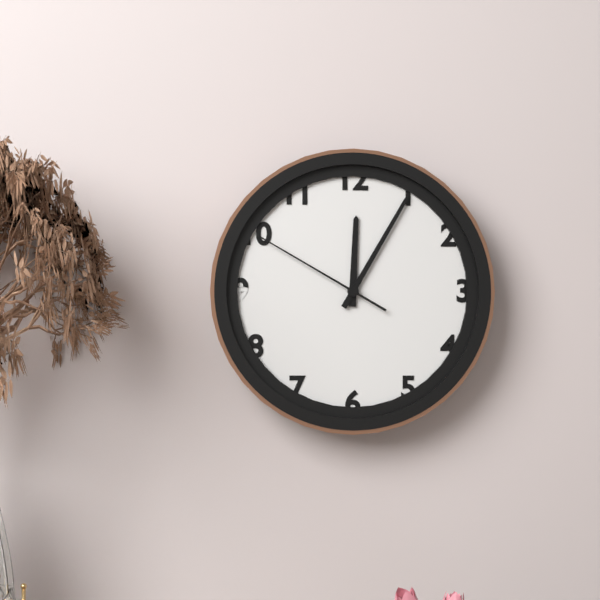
**12:05:50**
